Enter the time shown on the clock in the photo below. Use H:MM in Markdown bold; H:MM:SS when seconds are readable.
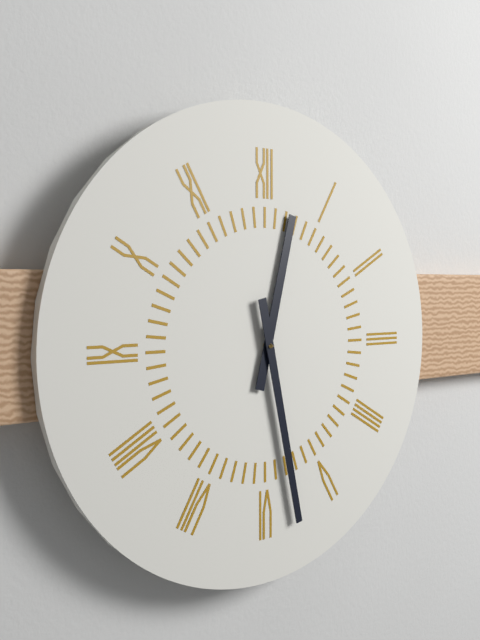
**12:28**
